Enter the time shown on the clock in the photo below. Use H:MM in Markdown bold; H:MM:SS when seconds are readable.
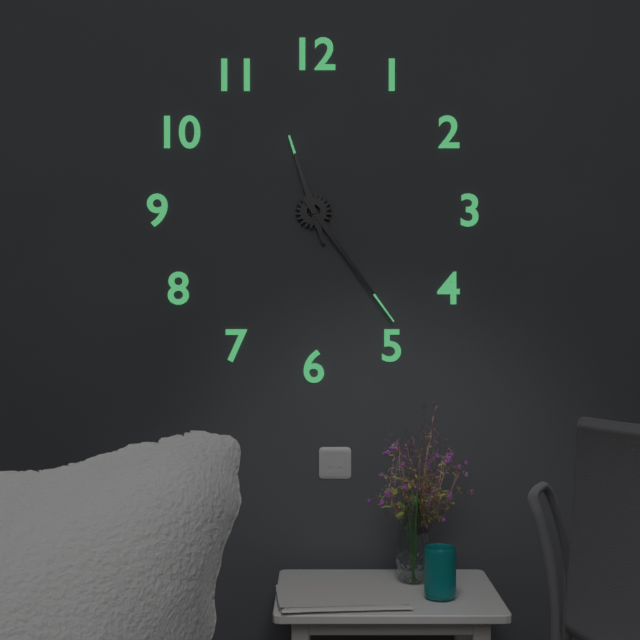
**11:24**
